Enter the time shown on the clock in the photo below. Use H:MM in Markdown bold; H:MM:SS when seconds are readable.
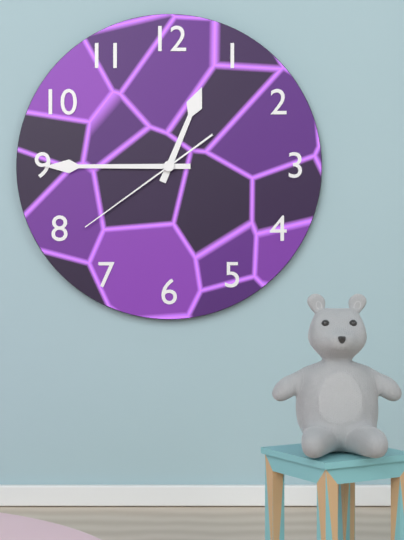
**12:45:39**
